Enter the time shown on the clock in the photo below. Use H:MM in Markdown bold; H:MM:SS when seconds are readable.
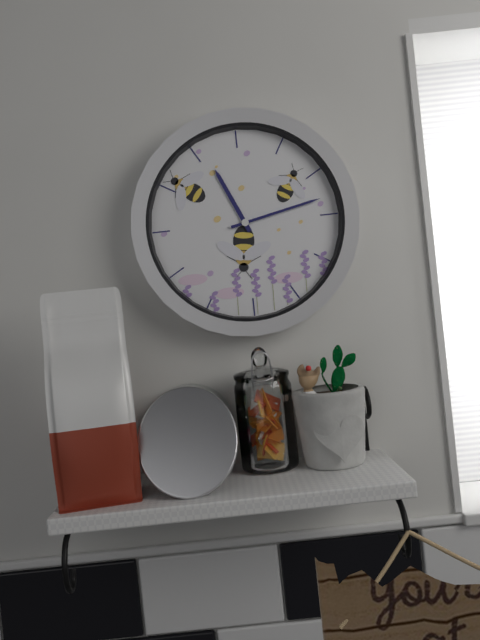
**11:13**
